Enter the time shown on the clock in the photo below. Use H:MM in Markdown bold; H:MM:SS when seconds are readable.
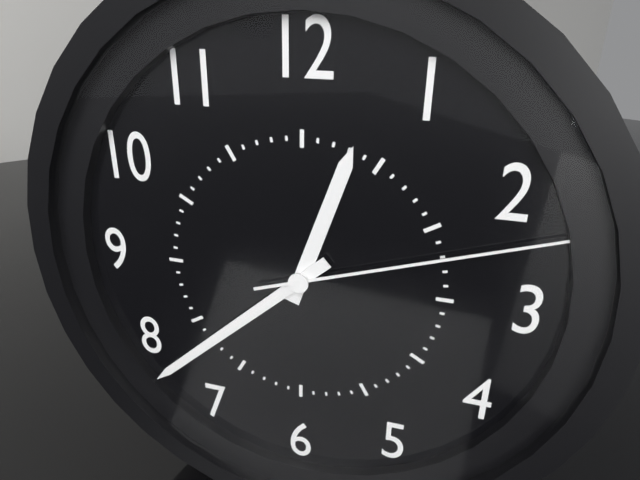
**12:38:12**
